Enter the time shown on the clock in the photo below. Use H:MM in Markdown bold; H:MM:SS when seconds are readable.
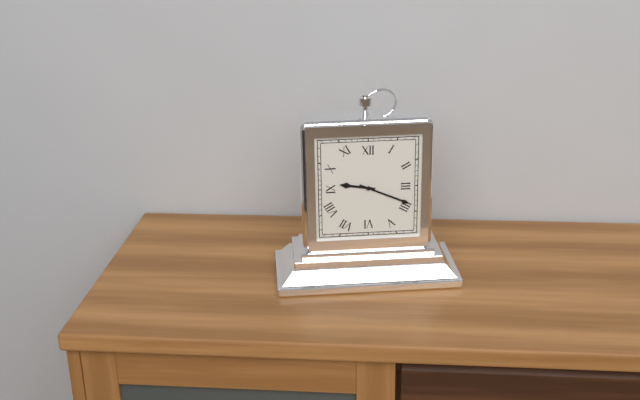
**9:19**
